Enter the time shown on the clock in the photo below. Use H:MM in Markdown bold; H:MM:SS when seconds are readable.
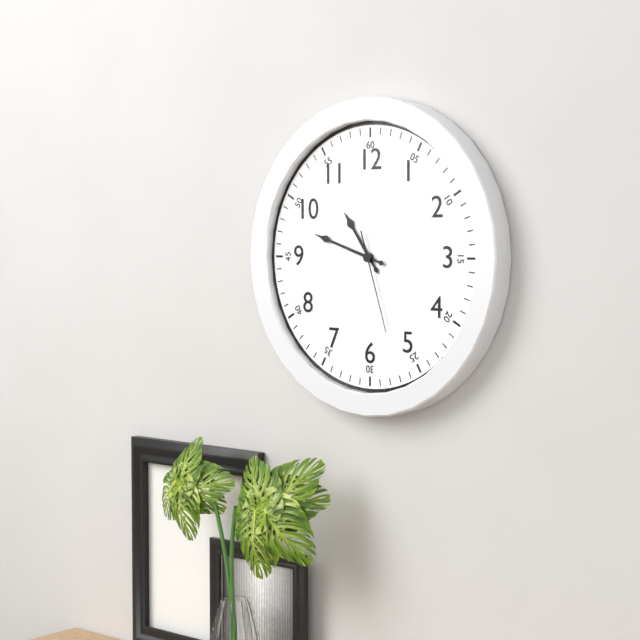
**10:48:27**
